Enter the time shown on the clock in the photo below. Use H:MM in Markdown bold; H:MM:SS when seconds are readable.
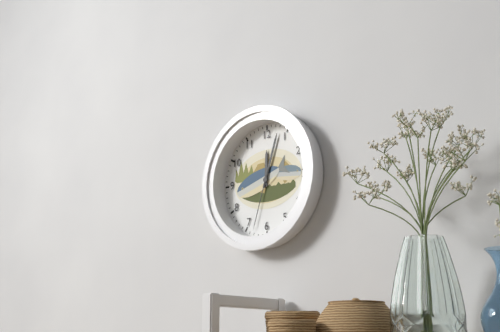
**12:03:33**
